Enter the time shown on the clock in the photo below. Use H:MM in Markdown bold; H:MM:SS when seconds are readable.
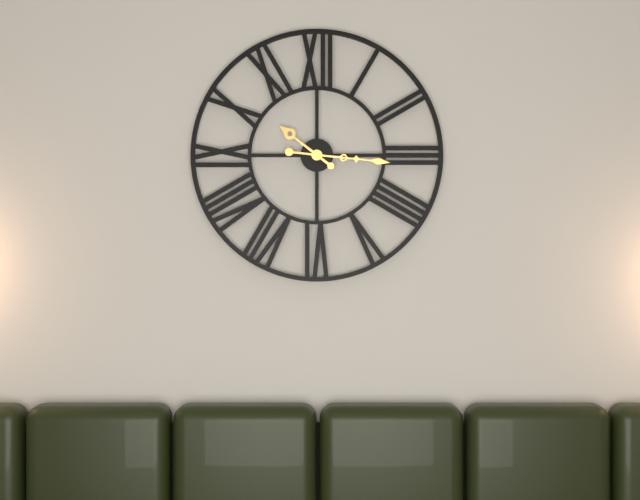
**10:16**
